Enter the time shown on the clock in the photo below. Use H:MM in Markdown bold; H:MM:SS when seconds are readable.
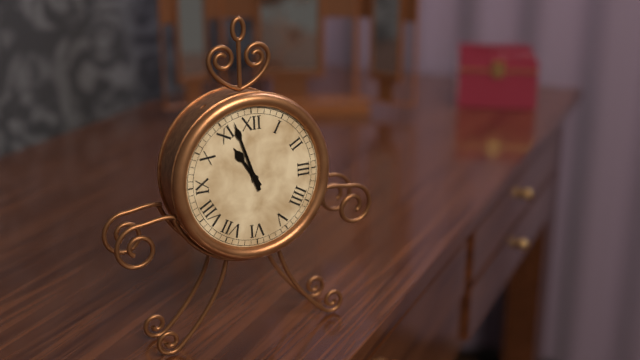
**10:57**
